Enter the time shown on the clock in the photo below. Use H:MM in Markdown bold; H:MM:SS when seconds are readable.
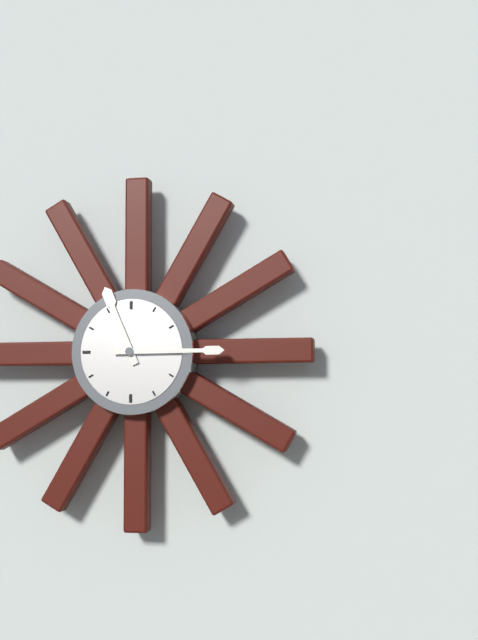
**11:15**
